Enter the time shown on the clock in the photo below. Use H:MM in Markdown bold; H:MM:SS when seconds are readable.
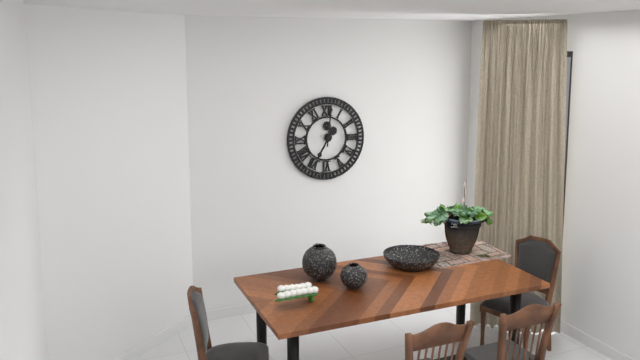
**7:01**
